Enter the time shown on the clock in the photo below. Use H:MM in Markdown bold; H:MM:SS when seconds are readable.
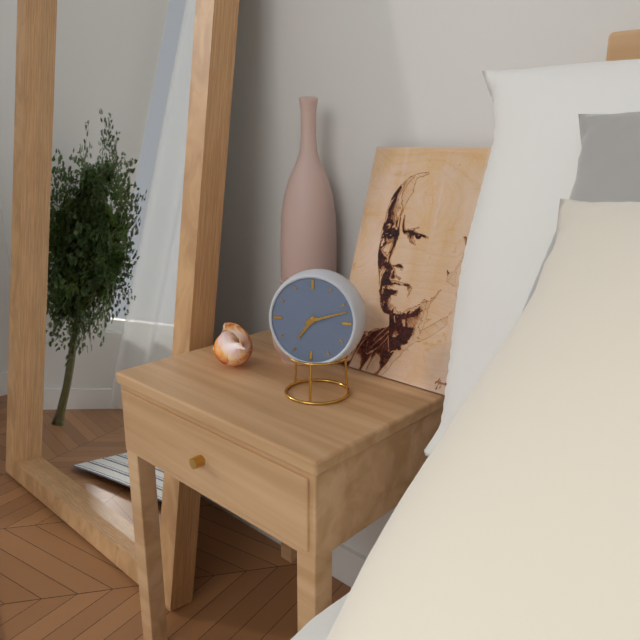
**7:12**
